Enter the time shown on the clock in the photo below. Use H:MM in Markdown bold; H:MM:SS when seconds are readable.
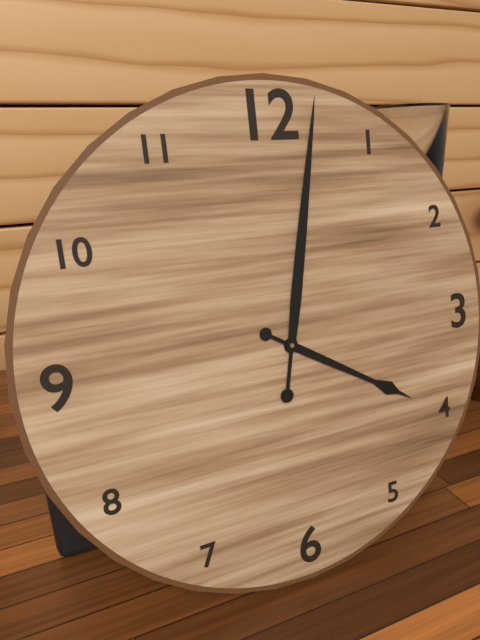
**4:02**
